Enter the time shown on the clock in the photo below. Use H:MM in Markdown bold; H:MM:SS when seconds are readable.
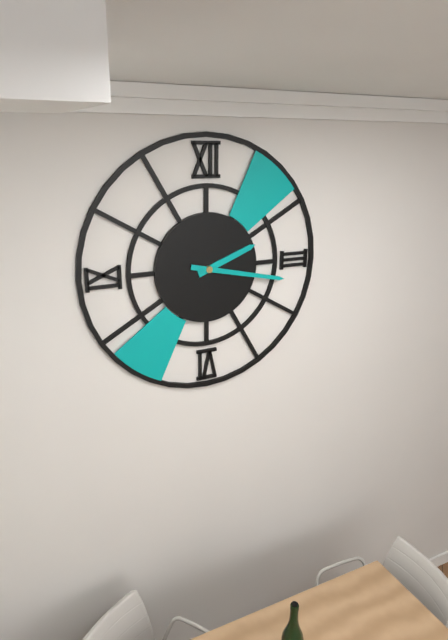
**2:17**
